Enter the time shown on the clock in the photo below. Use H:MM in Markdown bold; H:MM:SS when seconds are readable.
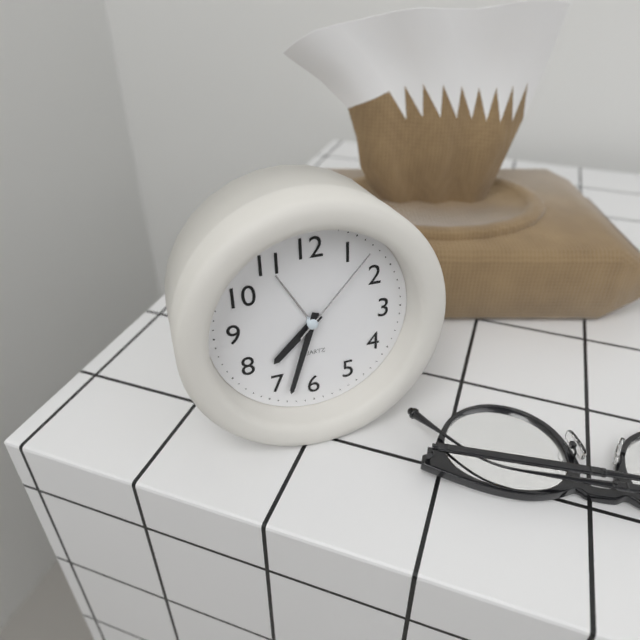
**7:33:07**
